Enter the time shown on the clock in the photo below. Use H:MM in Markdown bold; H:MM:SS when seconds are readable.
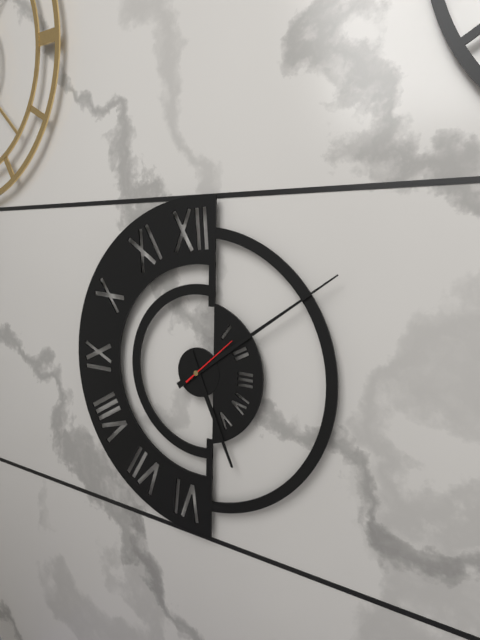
**5:09:08**
